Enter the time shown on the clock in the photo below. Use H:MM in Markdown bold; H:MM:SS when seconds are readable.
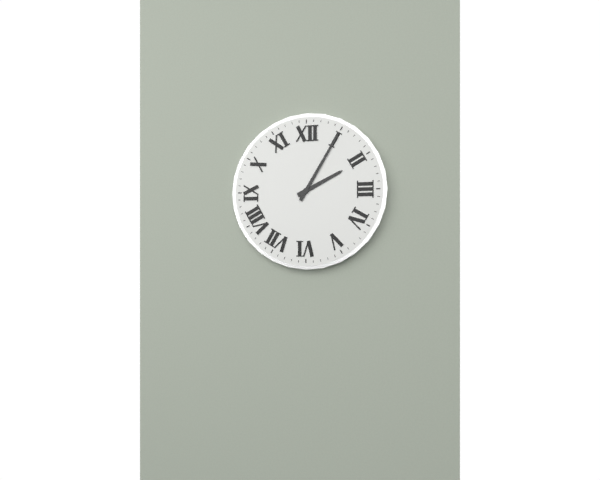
**2:05**
